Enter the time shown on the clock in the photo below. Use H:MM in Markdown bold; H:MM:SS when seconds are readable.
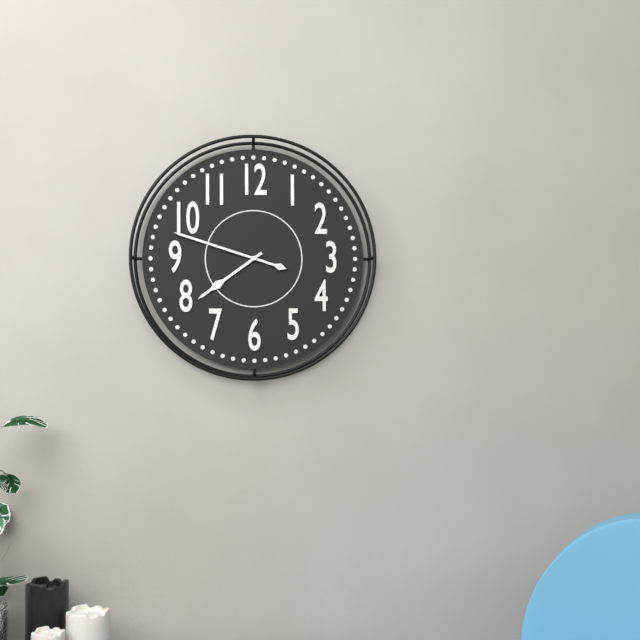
**7:48**
